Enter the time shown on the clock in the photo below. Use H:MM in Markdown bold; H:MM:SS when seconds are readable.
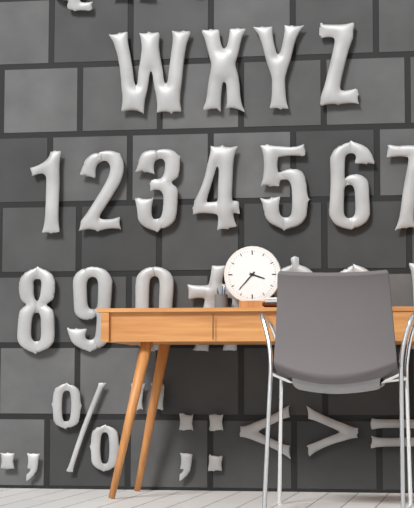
**3:37**
